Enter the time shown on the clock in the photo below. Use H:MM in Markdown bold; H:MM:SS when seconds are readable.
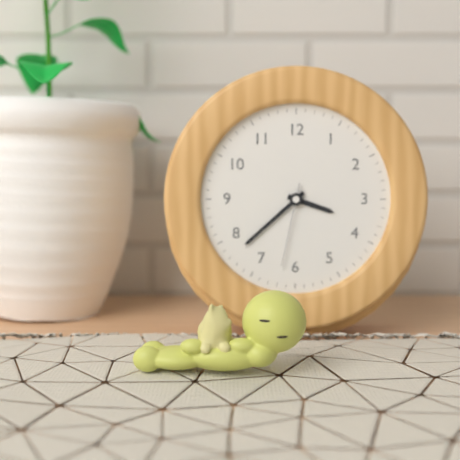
**3:38:32**
